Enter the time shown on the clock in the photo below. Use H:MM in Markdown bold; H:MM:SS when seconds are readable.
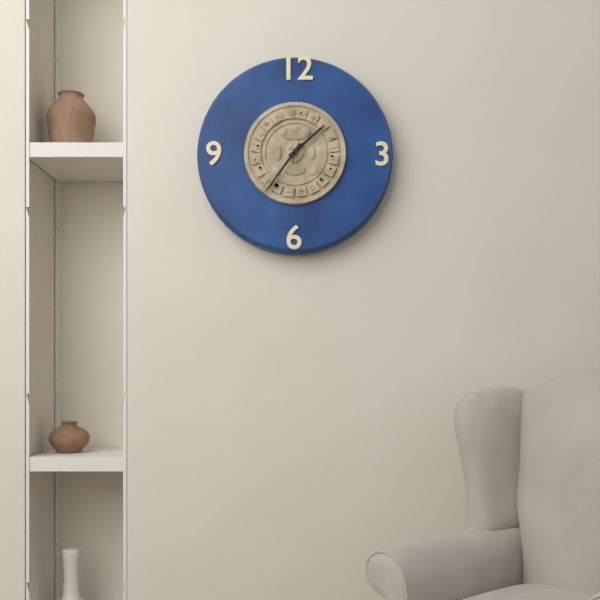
**1:36**
